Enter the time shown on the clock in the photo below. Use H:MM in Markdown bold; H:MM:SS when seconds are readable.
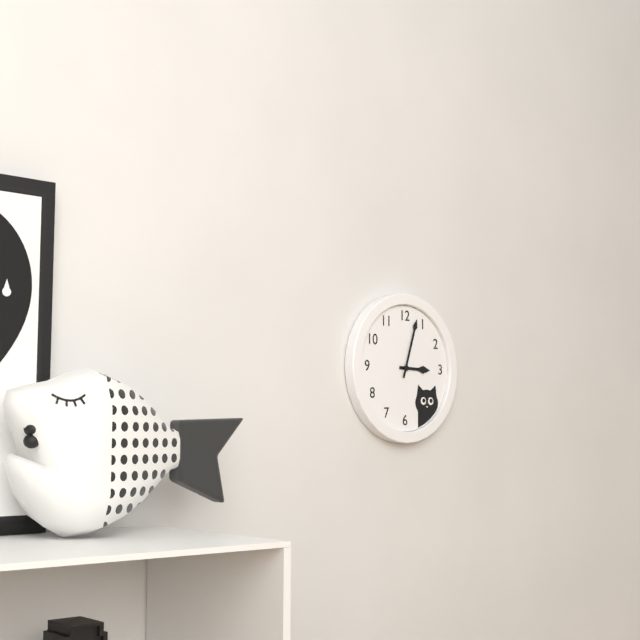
**3:03**
